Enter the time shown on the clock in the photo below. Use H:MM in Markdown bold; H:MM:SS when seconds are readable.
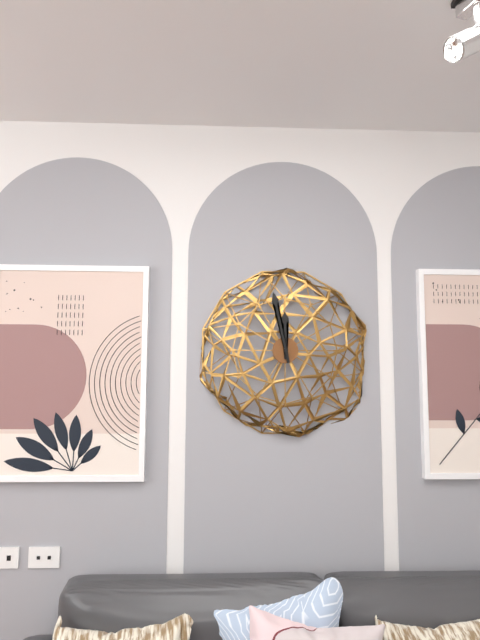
**11:58**
